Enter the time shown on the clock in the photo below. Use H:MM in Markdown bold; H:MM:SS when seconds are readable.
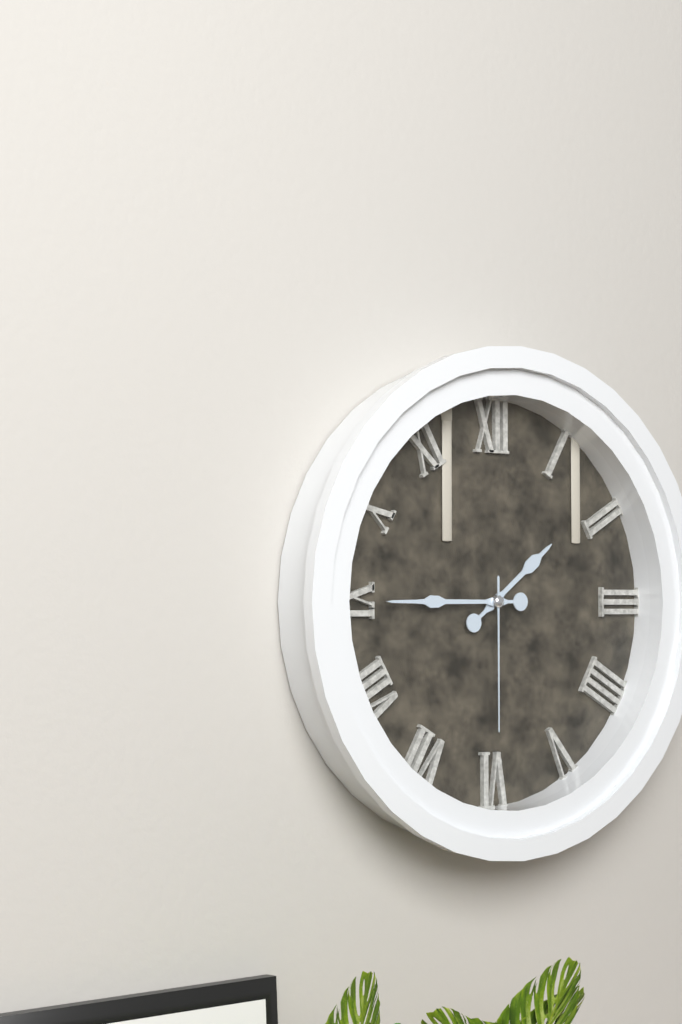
**1:45:30**
